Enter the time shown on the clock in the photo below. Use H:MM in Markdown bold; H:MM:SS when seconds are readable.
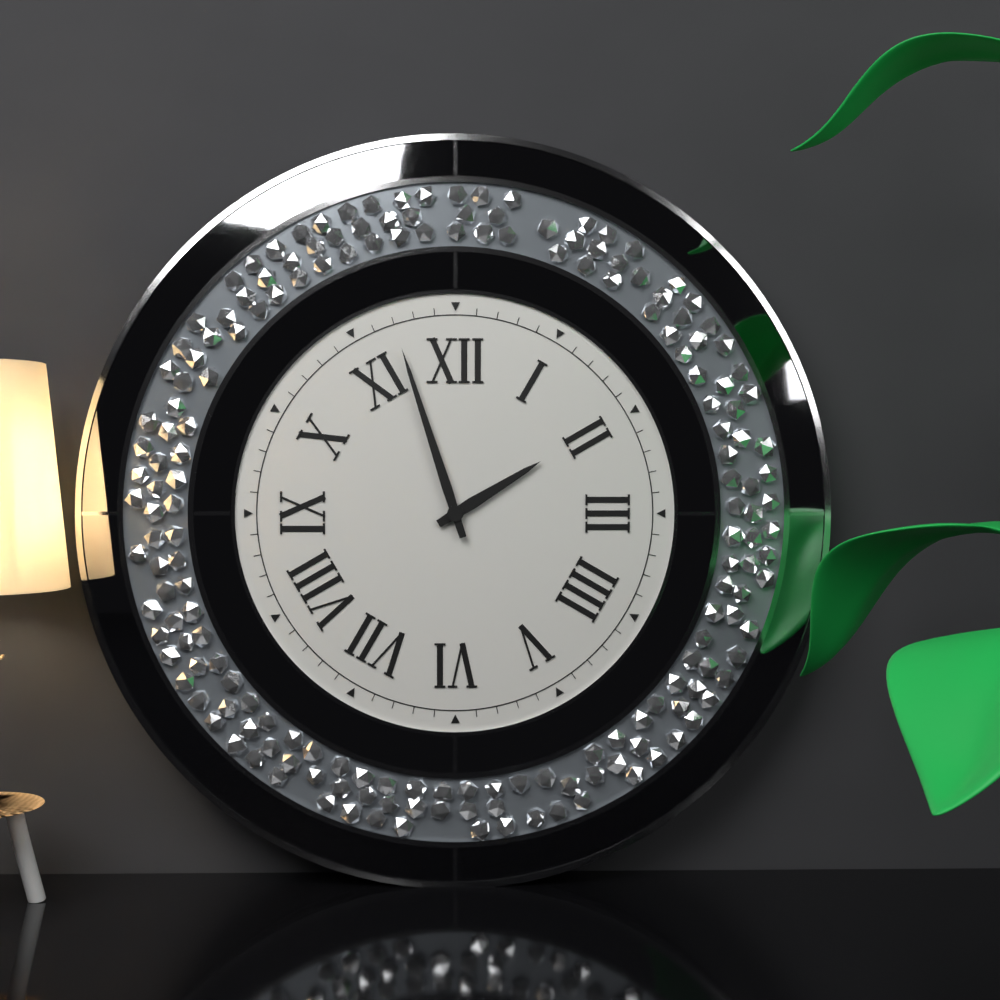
**1:57**
